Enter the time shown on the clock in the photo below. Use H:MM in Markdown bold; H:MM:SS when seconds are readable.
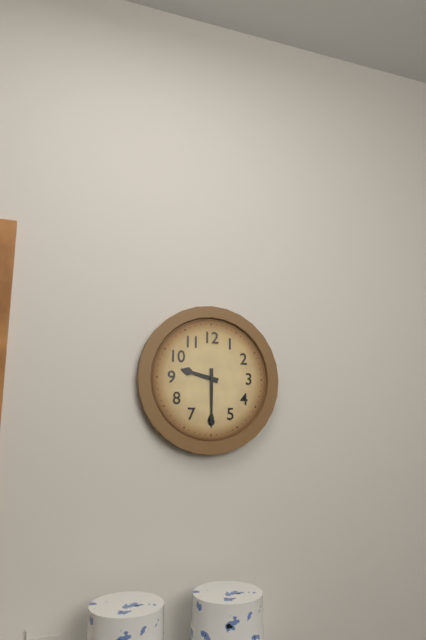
**9:30**
